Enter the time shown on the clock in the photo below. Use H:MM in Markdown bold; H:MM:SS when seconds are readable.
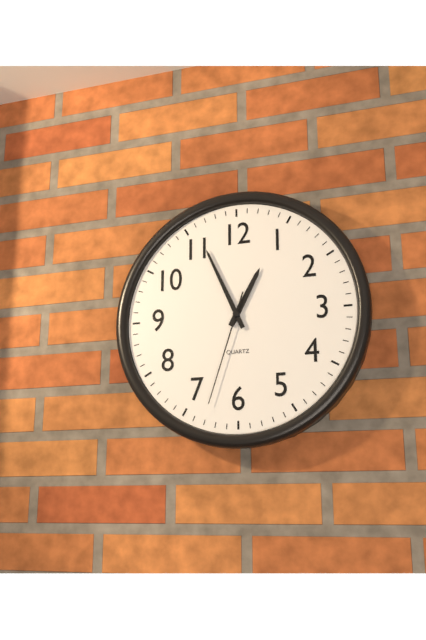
**12:56:33**
